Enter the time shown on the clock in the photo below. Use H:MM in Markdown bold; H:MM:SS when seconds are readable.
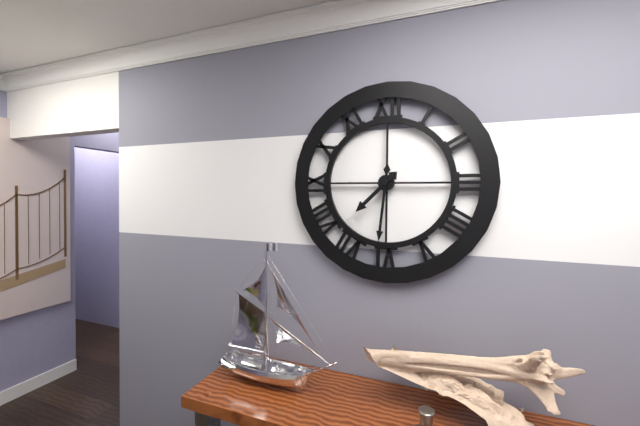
**7:31**
